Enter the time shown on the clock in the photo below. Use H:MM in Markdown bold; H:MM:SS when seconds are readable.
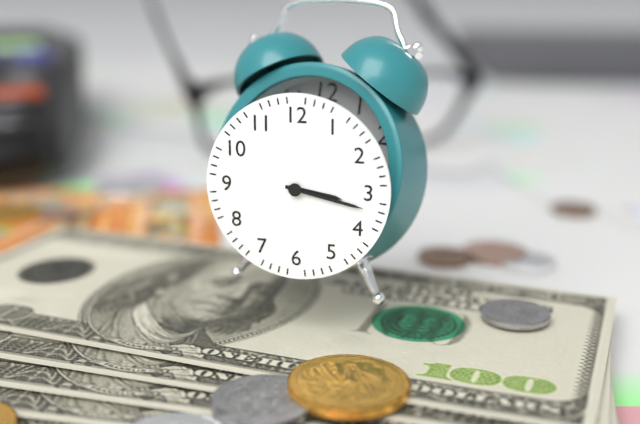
**3:17**
